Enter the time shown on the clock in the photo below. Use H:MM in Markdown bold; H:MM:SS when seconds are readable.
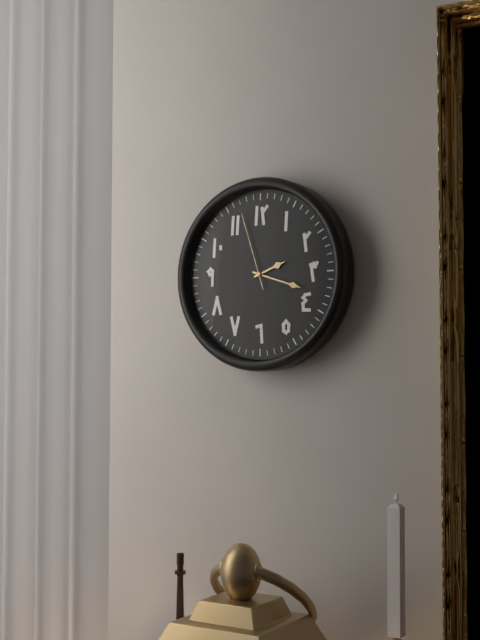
**2:18:57**
